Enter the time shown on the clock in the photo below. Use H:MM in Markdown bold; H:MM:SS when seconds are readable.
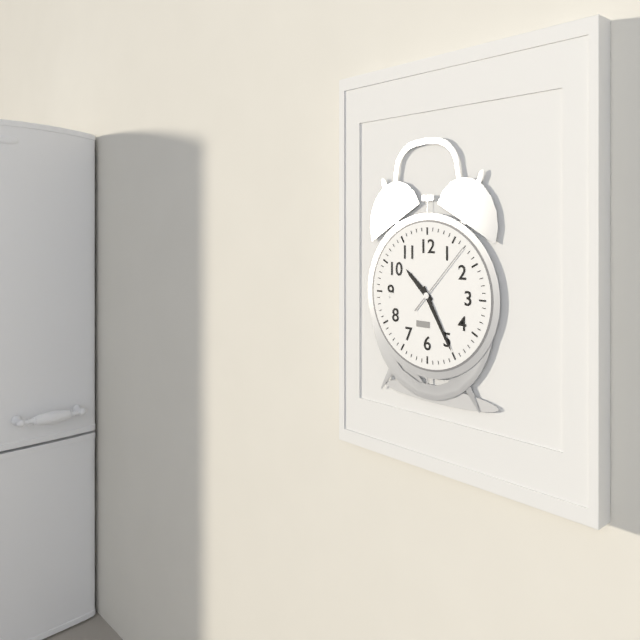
**10:25:07**
